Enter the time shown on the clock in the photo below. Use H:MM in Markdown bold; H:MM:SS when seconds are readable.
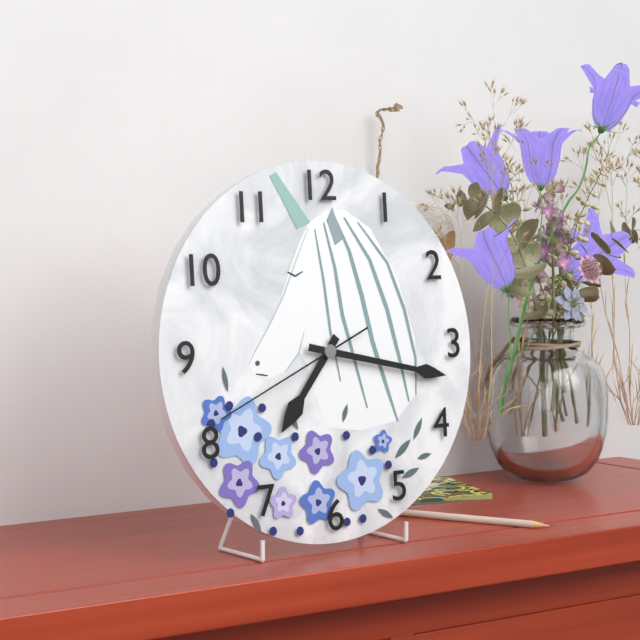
**7:17:41**
